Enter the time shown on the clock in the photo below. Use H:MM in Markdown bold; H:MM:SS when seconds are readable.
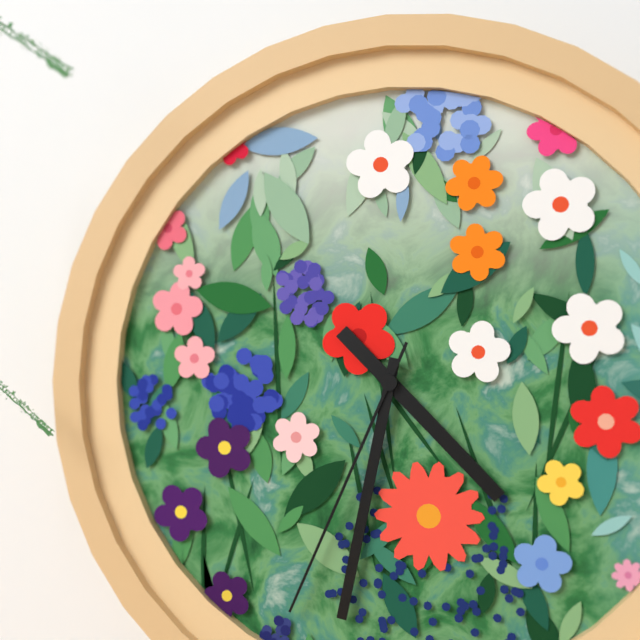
**4:32:34**
